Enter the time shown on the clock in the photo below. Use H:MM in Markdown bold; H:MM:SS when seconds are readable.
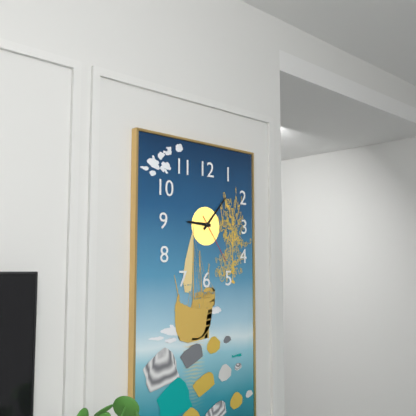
**9:07:24**
